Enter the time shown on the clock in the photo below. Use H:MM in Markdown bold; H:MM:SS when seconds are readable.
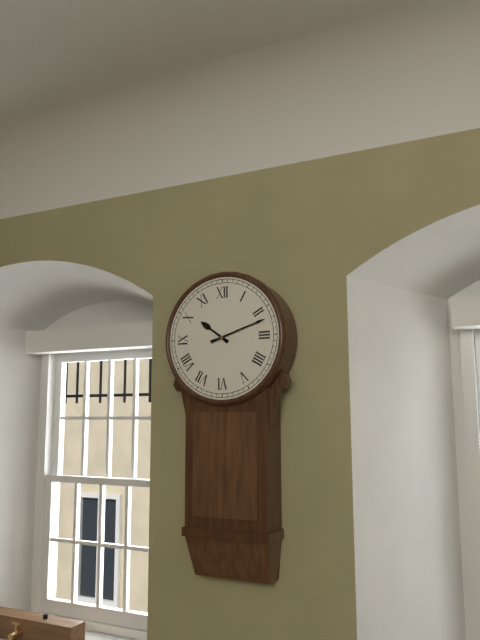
**10:12**
